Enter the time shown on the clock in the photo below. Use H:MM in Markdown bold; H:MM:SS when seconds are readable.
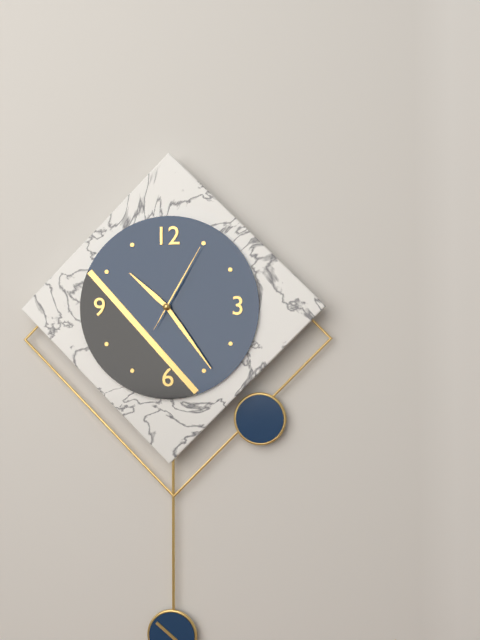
**10:24:05**
